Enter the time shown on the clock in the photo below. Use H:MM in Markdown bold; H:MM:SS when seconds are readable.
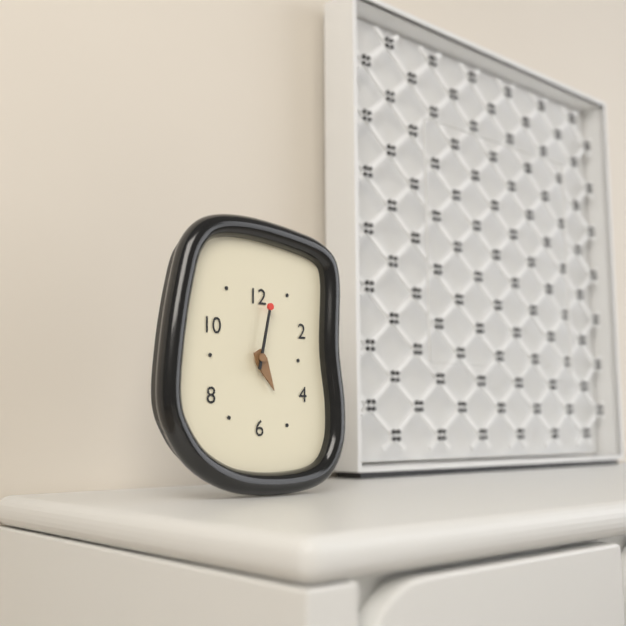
**5:02**
